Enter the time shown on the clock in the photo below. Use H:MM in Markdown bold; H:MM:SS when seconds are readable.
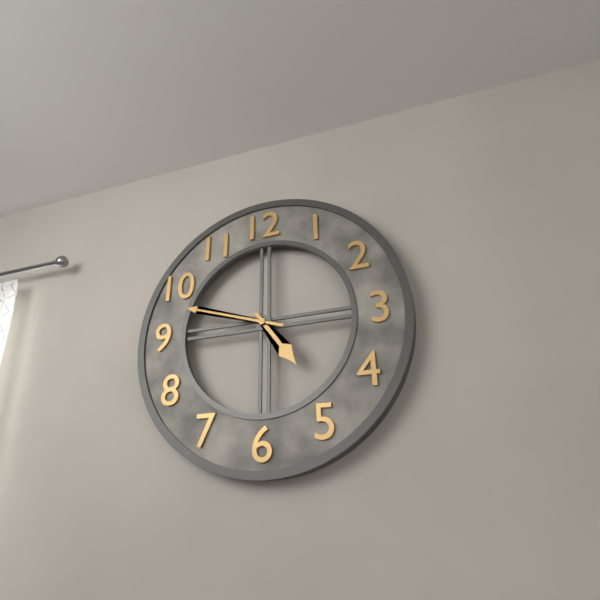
**4:48**
